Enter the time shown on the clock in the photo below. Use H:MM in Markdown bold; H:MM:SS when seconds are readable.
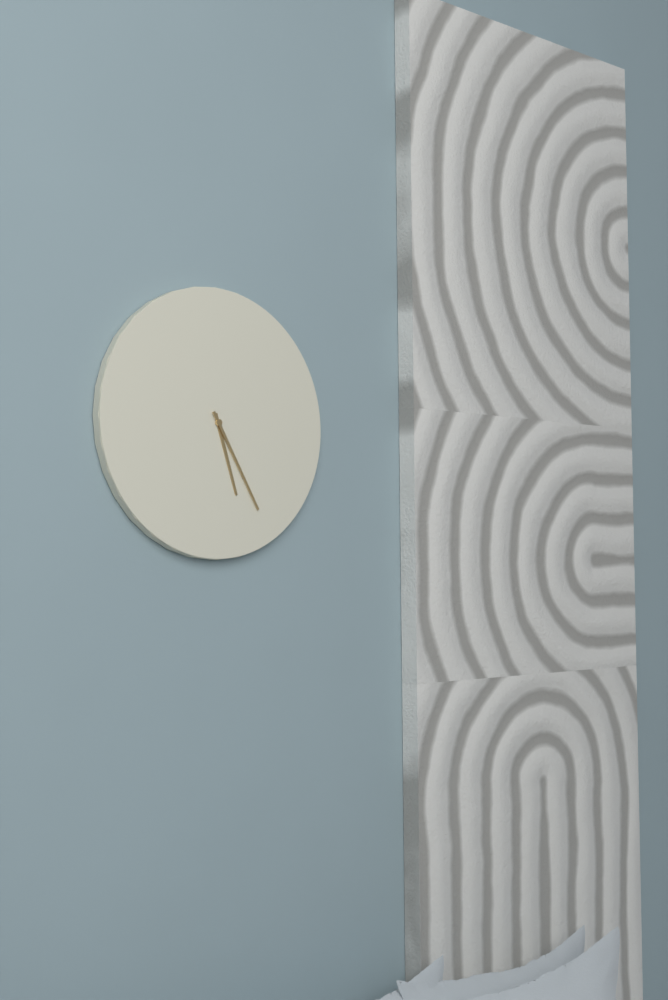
**5:25**
